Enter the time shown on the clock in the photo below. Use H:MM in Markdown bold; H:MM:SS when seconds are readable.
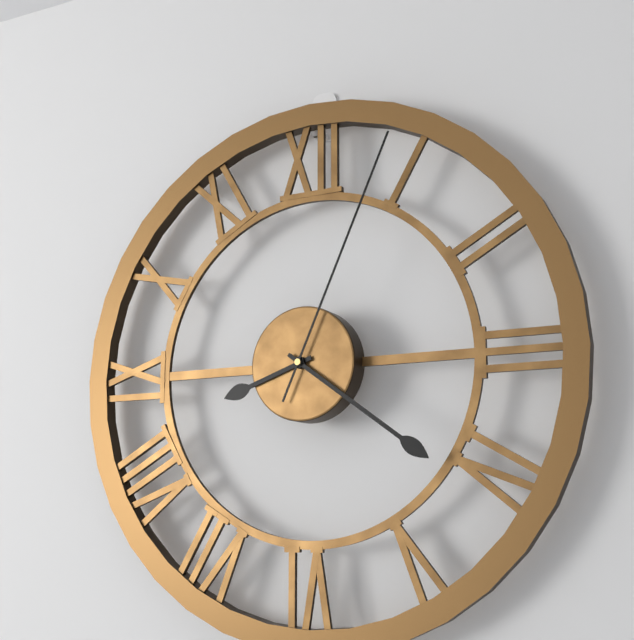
**8:21:04**
